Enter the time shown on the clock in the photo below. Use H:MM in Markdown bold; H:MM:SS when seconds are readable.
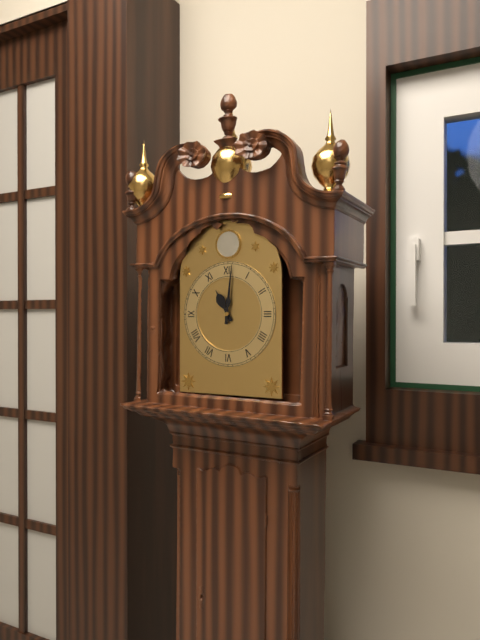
**11:01**
